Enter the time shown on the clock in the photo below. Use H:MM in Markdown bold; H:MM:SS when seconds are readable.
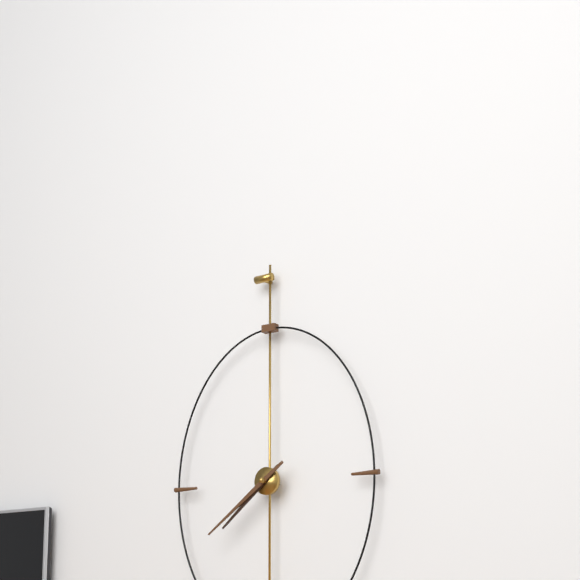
**7:39**
